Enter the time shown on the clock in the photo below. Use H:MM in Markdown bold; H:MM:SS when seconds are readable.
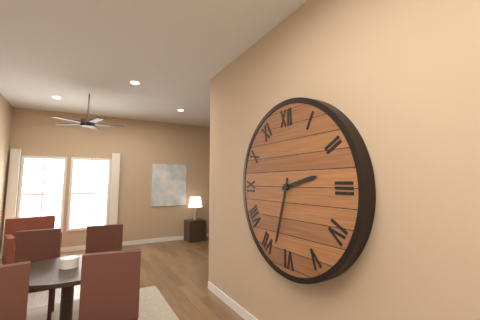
**2:33**
